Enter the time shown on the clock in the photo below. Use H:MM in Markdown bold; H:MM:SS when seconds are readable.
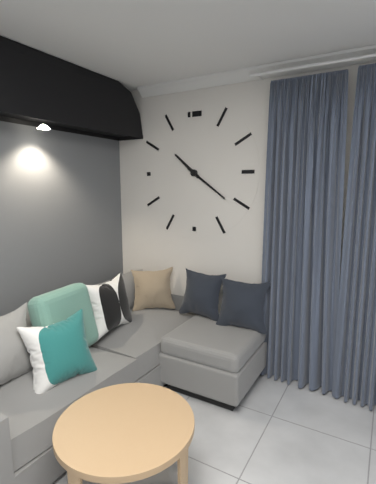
**10:21**
